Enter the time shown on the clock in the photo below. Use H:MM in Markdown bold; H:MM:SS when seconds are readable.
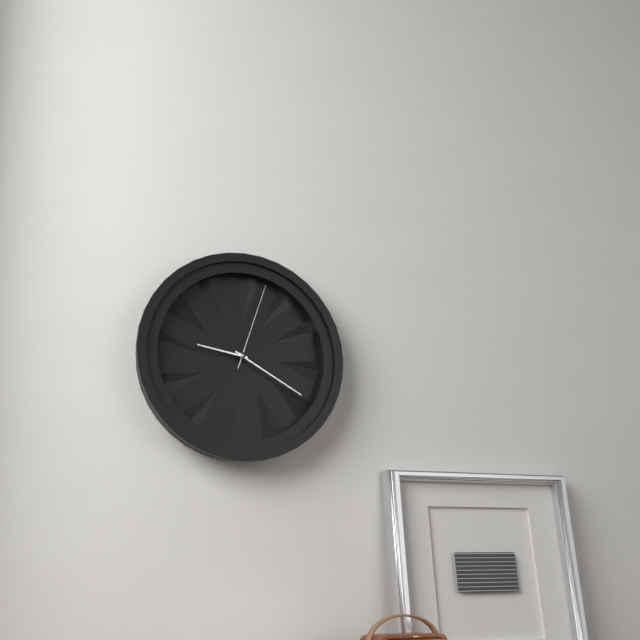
**9:20:03**
